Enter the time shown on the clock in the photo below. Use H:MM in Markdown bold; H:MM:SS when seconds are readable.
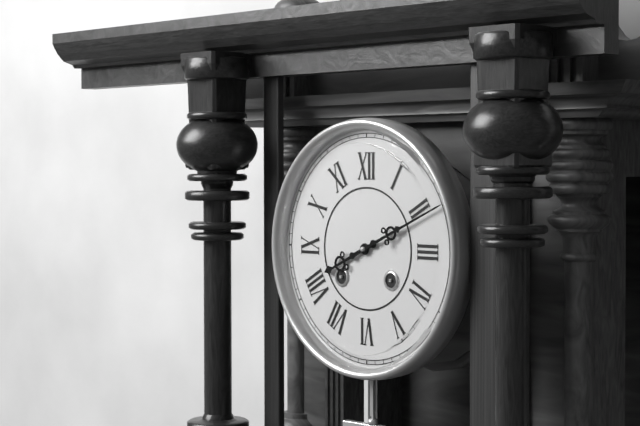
**8:11**
